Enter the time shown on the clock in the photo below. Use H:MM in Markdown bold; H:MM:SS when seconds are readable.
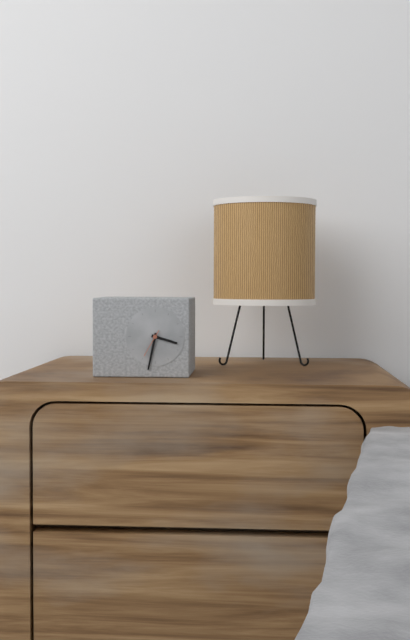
**3:32**
